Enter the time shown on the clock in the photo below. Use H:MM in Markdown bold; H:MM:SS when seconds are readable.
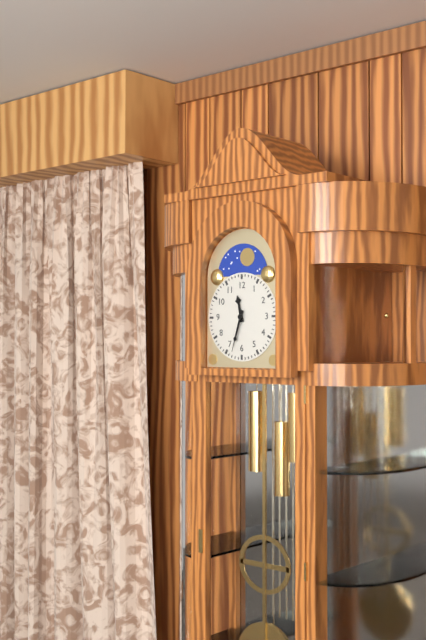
**11:33**
